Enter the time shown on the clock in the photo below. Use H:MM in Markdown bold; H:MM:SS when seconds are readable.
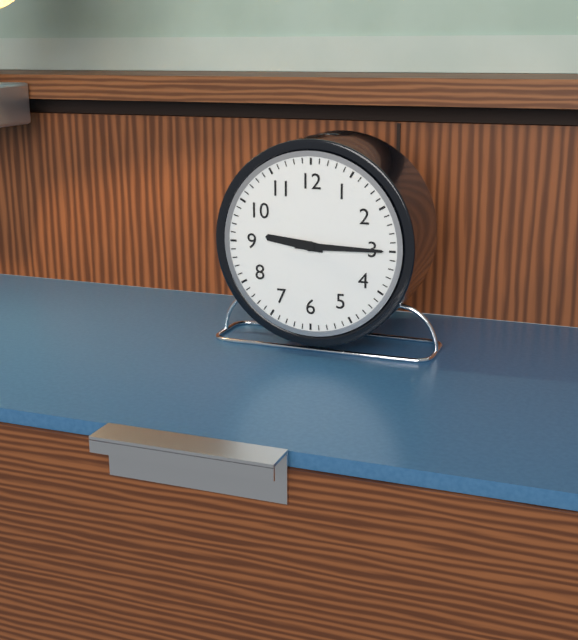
**9:15**
